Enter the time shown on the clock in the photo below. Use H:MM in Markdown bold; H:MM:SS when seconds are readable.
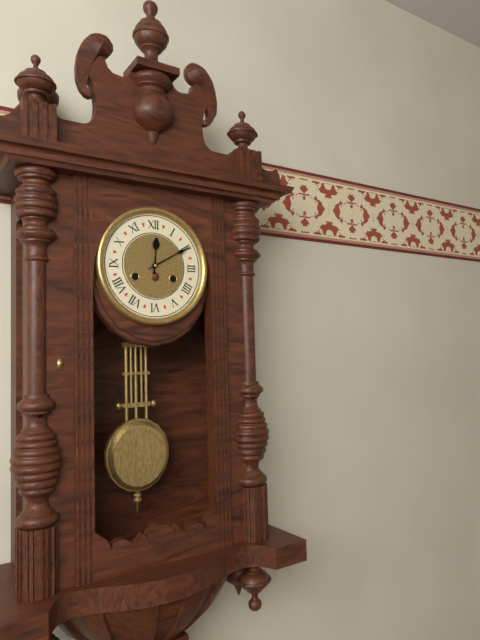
**12:10**
